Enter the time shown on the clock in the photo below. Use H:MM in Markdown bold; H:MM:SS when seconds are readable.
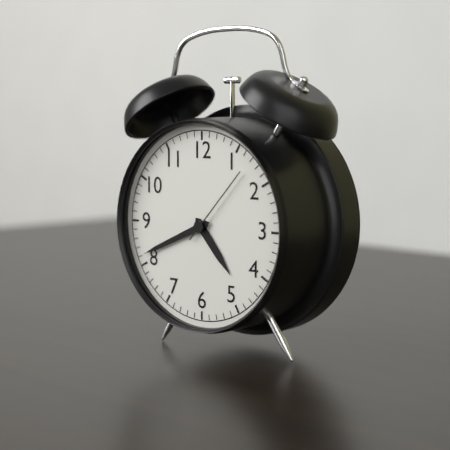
**4:41:07**
